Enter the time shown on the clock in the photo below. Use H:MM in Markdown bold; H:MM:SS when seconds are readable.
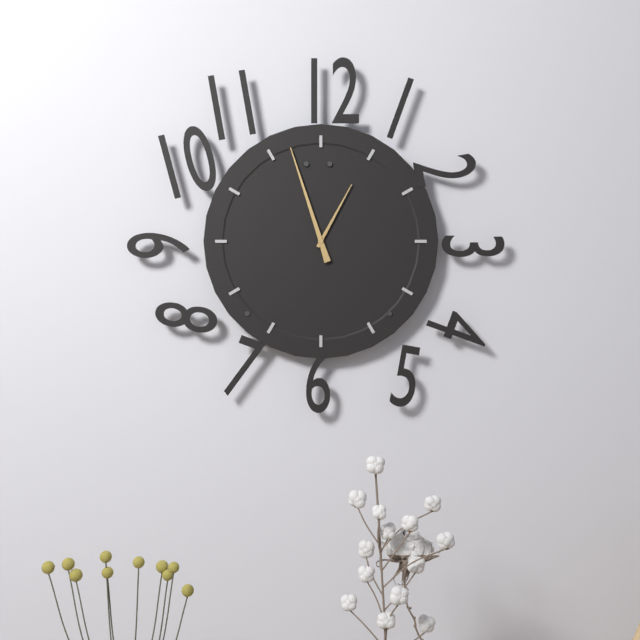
**12:57**
